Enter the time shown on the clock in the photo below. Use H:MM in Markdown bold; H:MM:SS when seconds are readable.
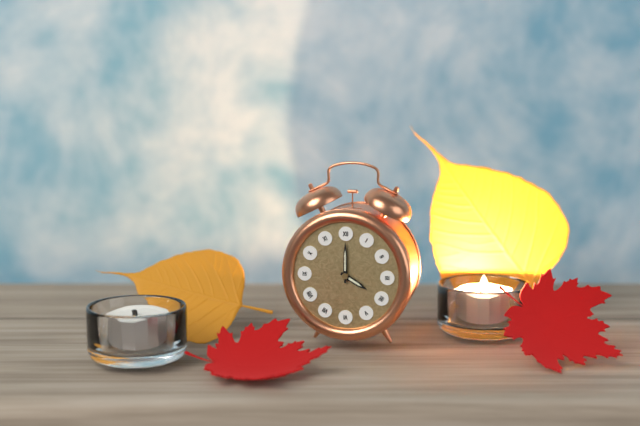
**4:00**
